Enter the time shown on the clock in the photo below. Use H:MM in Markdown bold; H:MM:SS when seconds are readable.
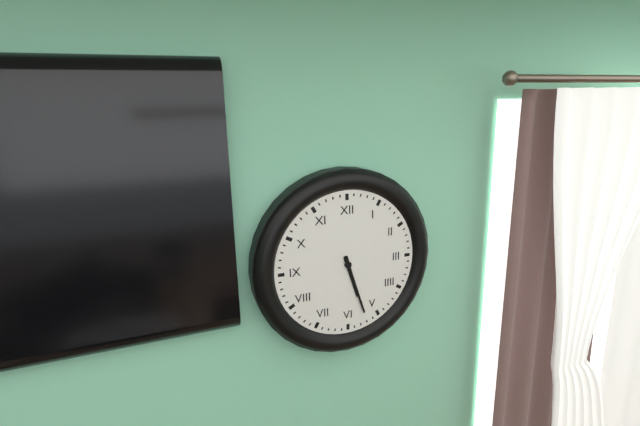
**5:27**
